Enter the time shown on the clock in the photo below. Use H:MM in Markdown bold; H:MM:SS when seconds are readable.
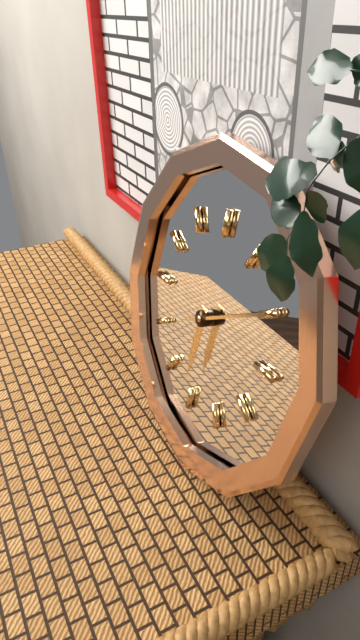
**6:10**
